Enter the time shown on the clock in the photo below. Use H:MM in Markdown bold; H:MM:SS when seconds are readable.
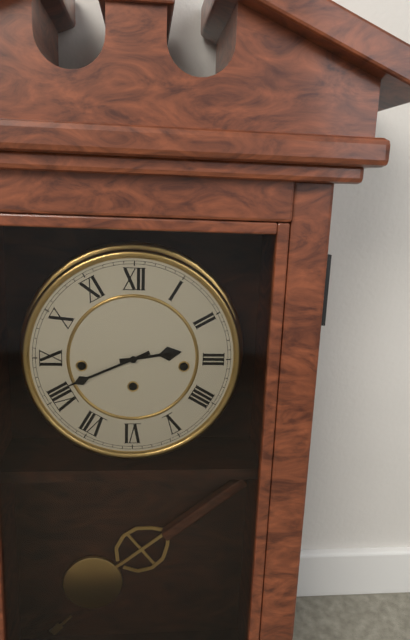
**2:41**
